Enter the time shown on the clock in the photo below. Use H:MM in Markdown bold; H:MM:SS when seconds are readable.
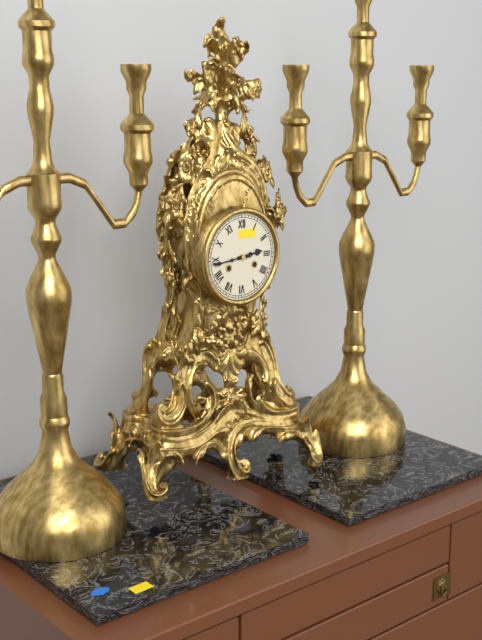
**2:44**
